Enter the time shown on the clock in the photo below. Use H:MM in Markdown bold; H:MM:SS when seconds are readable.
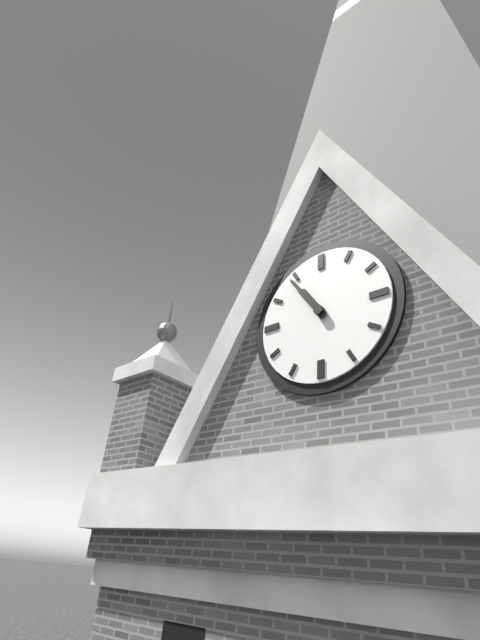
**10:54**
